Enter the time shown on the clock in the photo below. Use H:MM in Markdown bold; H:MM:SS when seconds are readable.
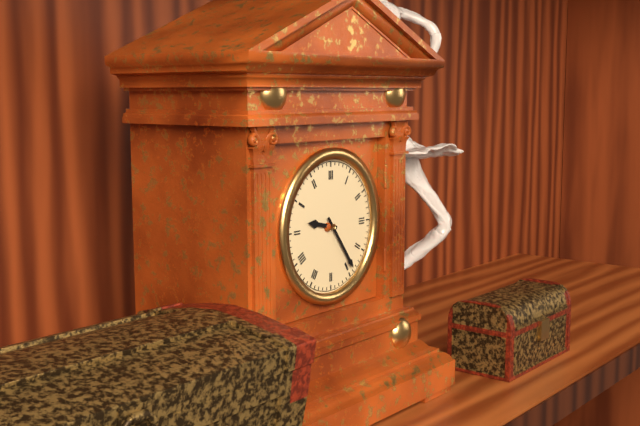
**9:24**
